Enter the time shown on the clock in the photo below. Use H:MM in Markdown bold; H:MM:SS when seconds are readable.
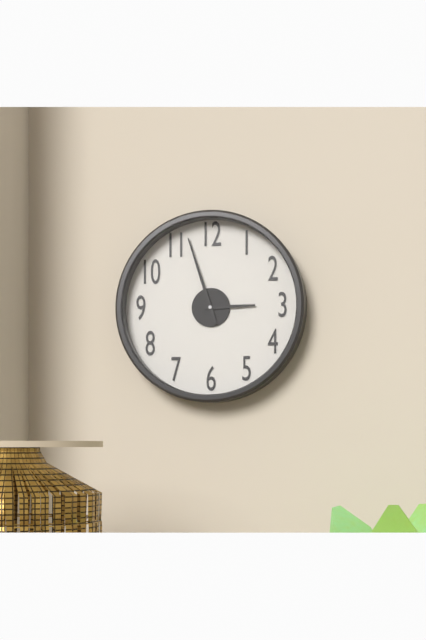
**2:57**
